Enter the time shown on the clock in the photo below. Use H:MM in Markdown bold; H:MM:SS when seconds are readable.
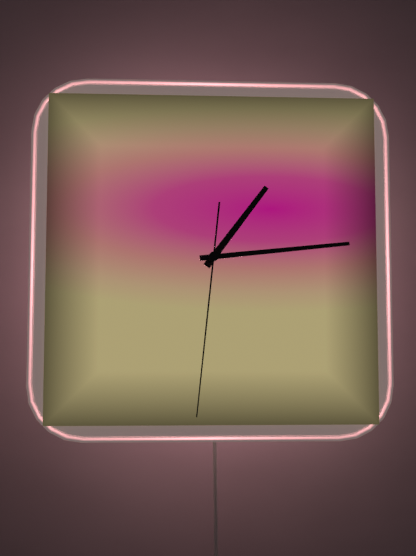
**1:14:31**
